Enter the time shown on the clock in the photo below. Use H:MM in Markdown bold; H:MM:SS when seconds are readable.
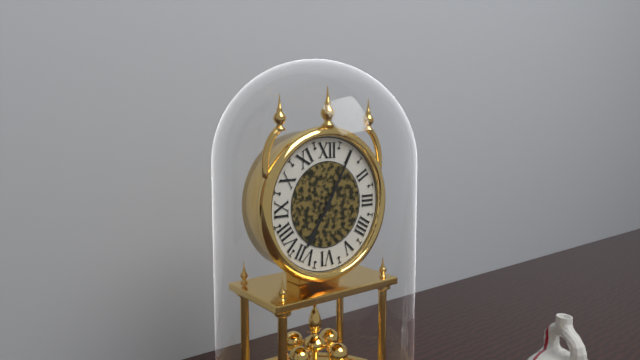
**7:05**
